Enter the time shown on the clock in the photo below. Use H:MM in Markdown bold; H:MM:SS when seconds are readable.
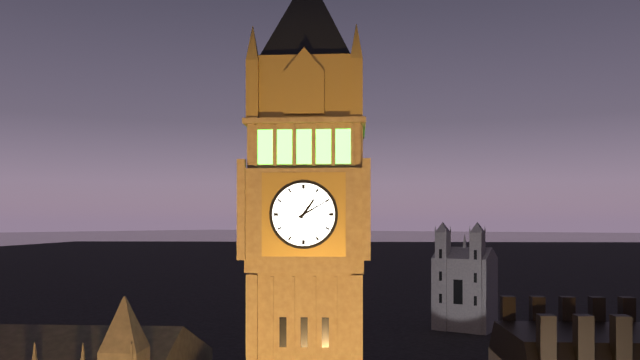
**1:10**
